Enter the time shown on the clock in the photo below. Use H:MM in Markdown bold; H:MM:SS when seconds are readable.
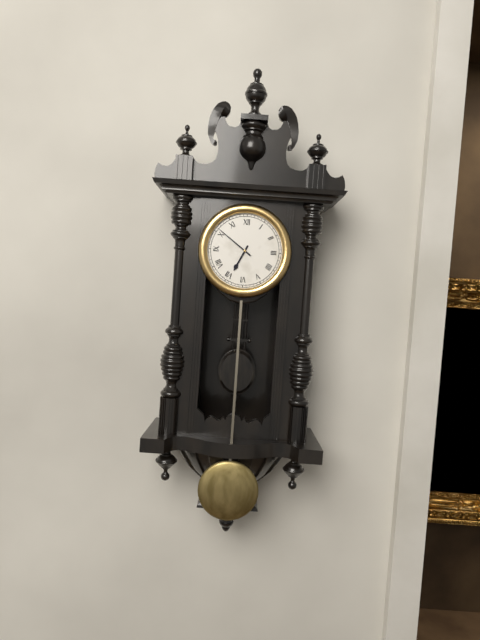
**6:51**
